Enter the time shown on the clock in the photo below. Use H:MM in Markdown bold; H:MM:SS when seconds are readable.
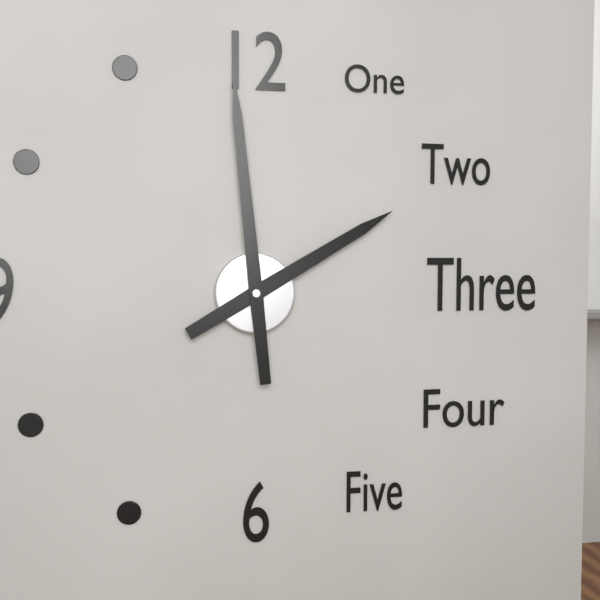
**1:59**
